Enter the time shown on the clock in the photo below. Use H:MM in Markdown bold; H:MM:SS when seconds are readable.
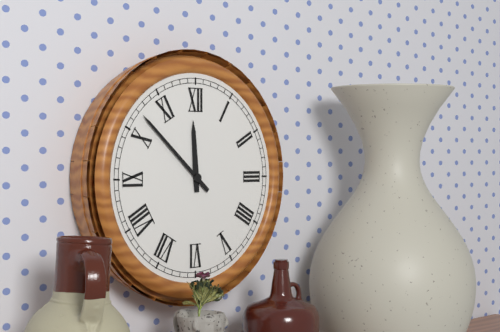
**11:52**
